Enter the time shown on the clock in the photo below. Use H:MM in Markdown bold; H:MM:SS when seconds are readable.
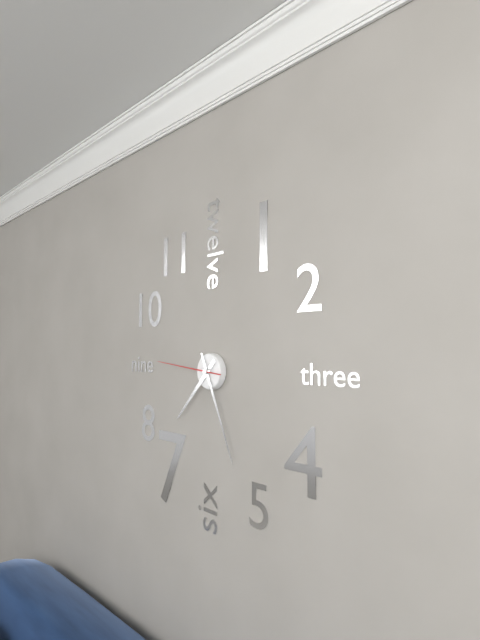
**7:26:46**
